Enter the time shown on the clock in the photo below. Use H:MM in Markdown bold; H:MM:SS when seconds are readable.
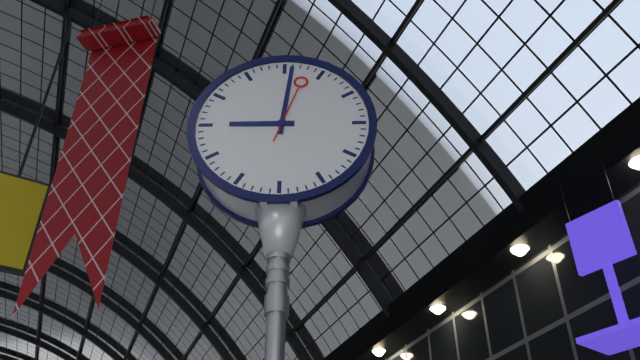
**9:01:03**
